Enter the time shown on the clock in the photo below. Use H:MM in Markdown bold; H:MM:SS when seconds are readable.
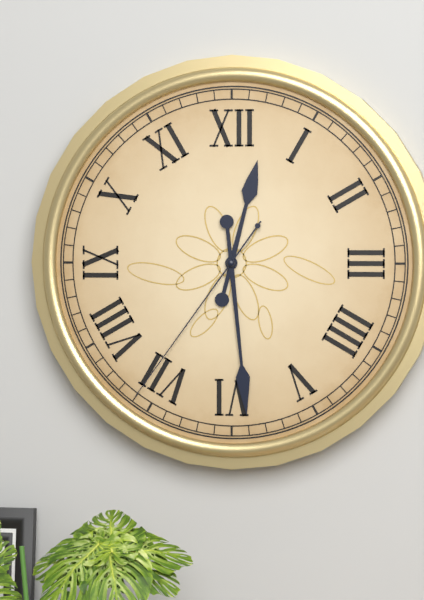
**12:29:36**
